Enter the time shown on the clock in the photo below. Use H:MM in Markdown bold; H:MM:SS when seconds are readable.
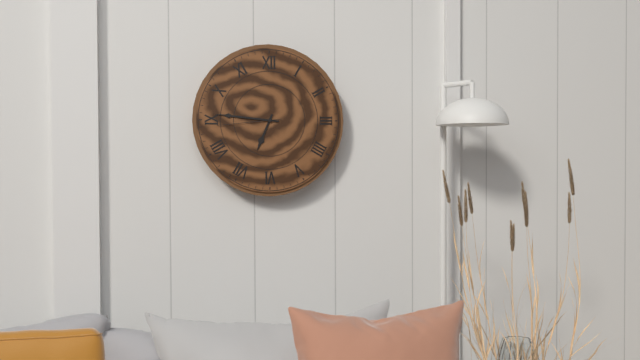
**6:46:44**
